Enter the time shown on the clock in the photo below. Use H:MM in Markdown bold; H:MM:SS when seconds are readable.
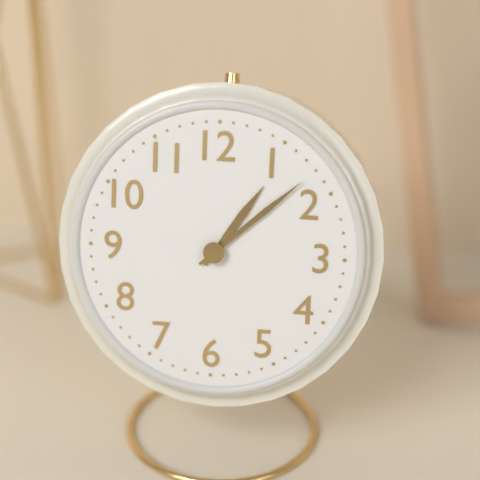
**1:08**
